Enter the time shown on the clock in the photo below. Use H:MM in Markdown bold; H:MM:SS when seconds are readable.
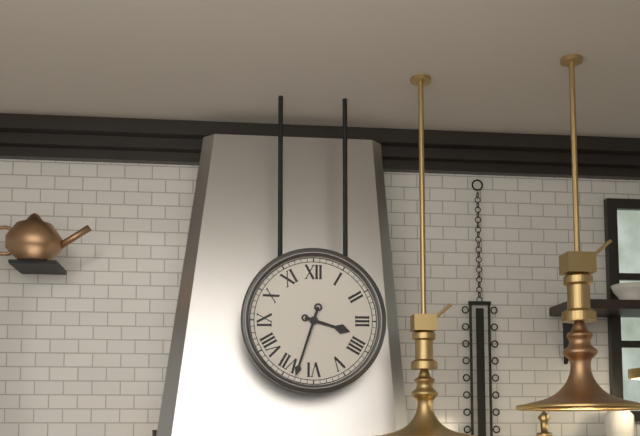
**3:33**
